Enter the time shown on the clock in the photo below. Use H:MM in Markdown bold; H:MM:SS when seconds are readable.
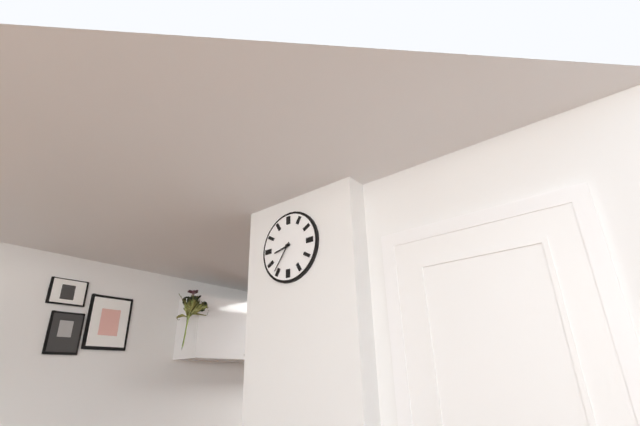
**8:36**
